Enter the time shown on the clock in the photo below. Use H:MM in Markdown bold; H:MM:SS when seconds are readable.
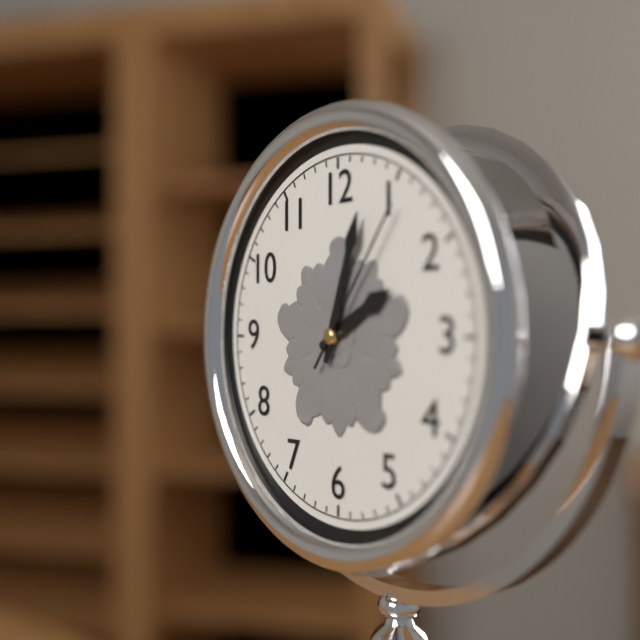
**2:03:06**
